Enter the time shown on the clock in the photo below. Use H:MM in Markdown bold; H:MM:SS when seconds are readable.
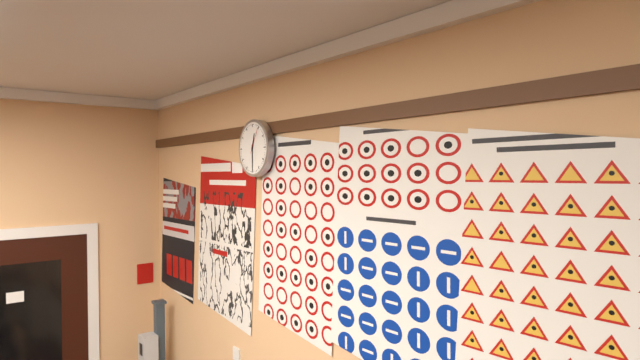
**12:30**
